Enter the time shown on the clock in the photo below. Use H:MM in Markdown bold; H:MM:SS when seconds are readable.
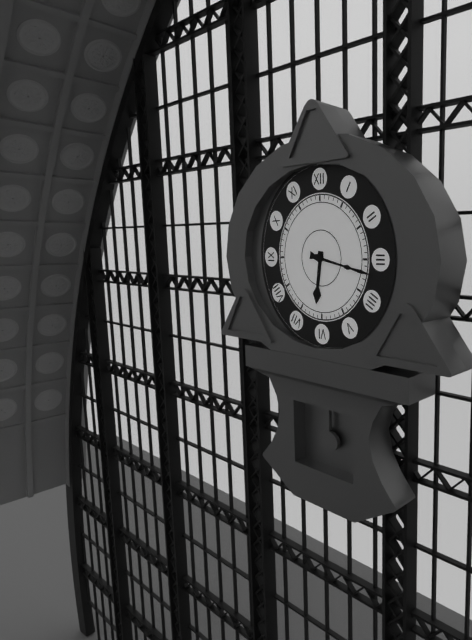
**6:17**
